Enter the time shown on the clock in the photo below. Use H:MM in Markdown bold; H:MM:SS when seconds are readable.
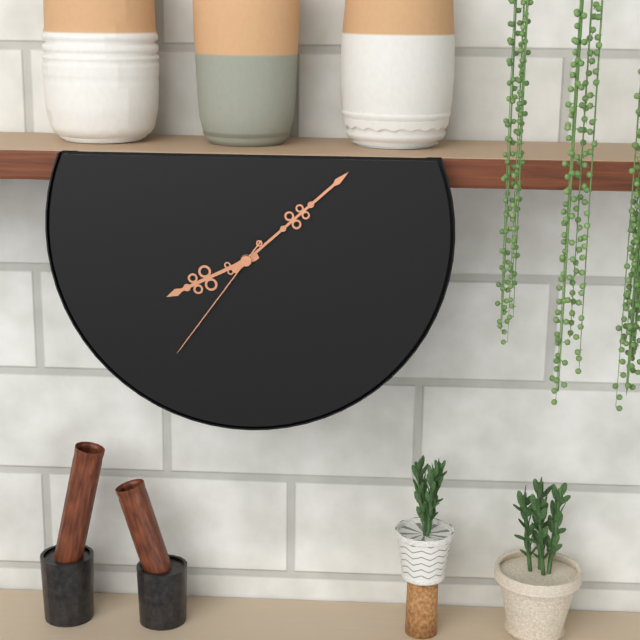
**8:08:36**
